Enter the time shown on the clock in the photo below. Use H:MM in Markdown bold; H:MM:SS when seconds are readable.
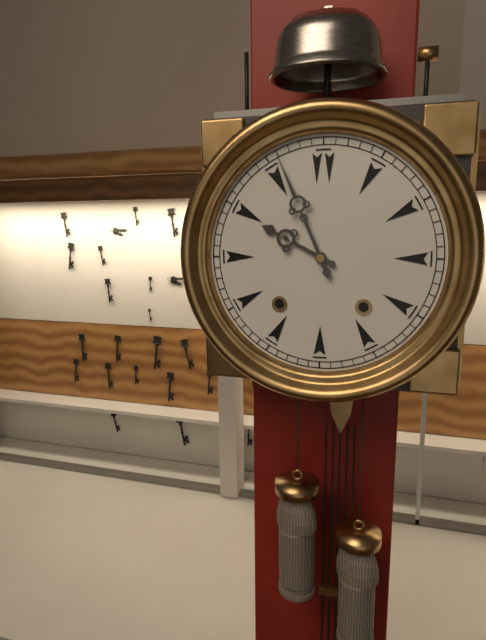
**9:56**
